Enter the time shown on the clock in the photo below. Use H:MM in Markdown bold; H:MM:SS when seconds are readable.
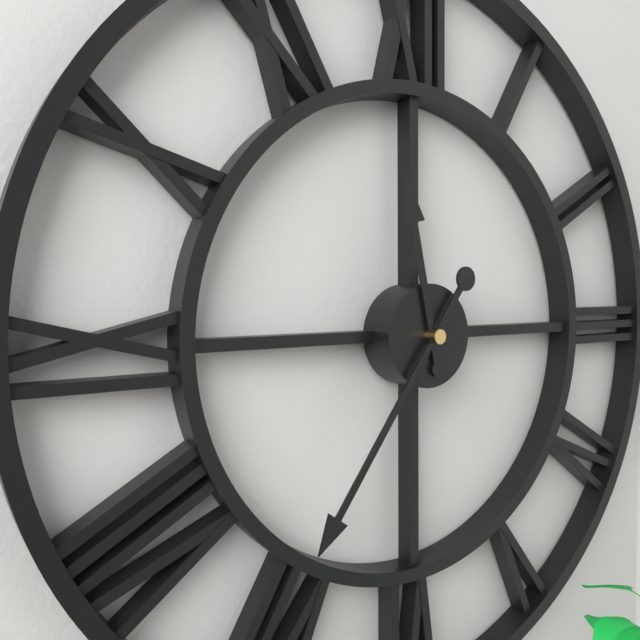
**11:36**
